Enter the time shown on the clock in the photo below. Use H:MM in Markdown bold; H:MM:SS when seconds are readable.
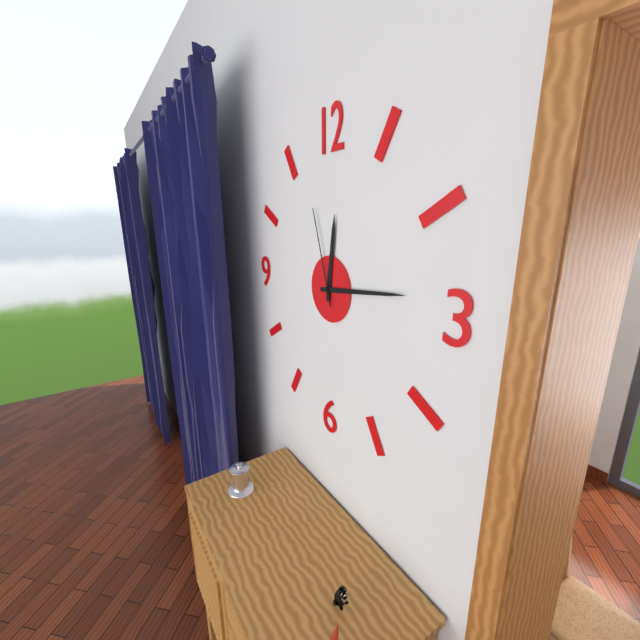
**12:14:57**
